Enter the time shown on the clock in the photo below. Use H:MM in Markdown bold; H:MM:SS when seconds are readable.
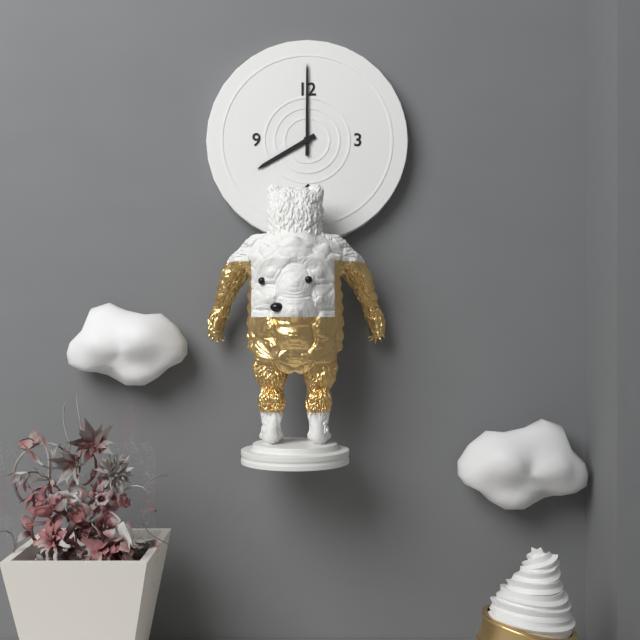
**8:00**
